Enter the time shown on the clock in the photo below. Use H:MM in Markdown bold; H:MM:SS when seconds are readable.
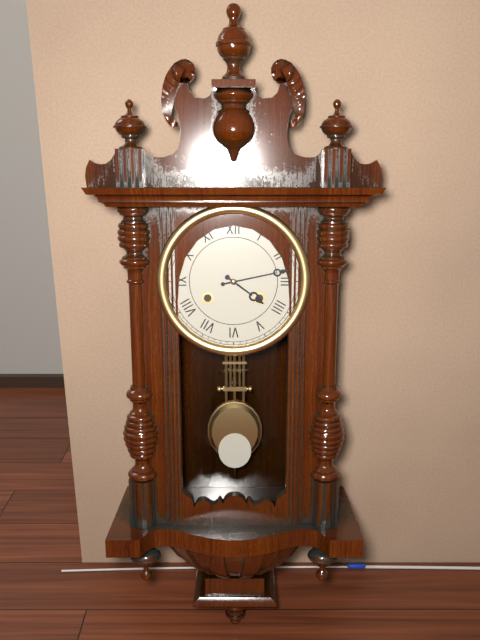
**4:13**
